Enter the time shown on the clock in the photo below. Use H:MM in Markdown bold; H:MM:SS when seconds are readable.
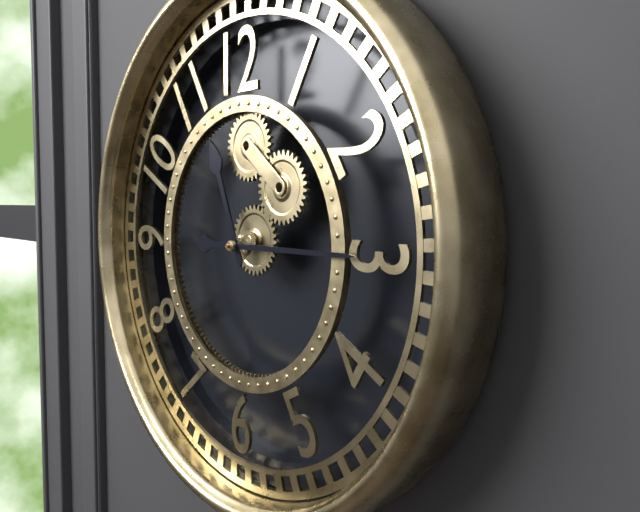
**11:15**
